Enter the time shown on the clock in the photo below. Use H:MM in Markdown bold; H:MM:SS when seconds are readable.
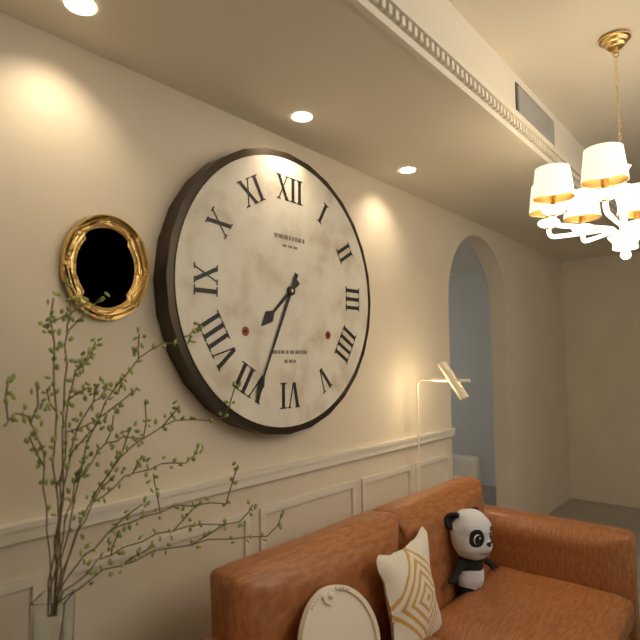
**7:34**
